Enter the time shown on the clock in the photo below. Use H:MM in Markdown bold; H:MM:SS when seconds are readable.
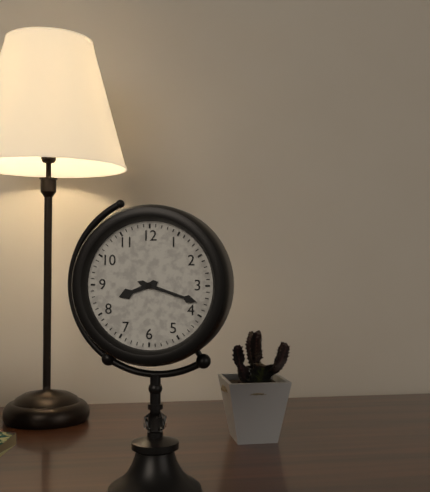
**8:18**
